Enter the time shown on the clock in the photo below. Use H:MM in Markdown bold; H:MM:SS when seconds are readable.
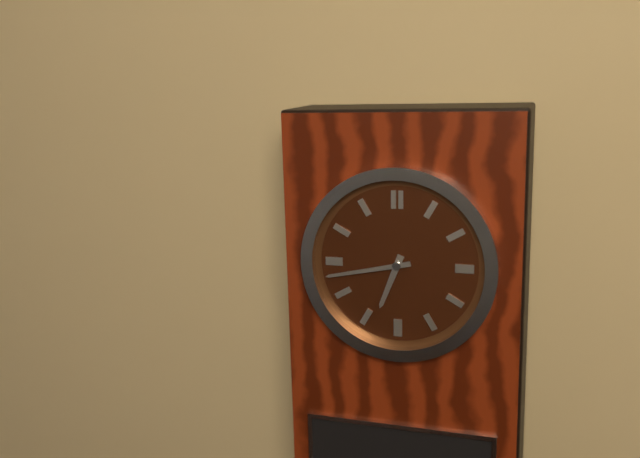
**6:43**
